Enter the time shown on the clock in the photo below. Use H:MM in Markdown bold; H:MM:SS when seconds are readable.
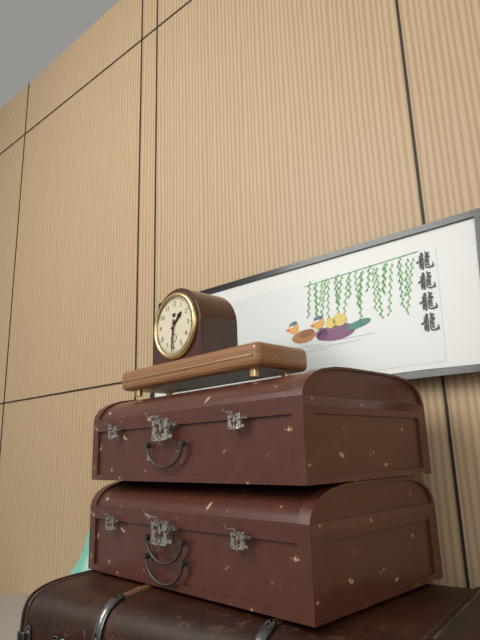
**1:31**
